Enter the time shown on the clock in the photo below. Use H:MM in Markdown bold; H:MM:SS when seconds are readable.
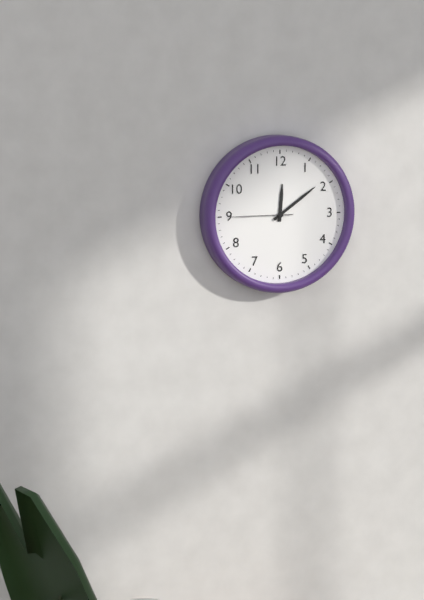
**12:09:45**
